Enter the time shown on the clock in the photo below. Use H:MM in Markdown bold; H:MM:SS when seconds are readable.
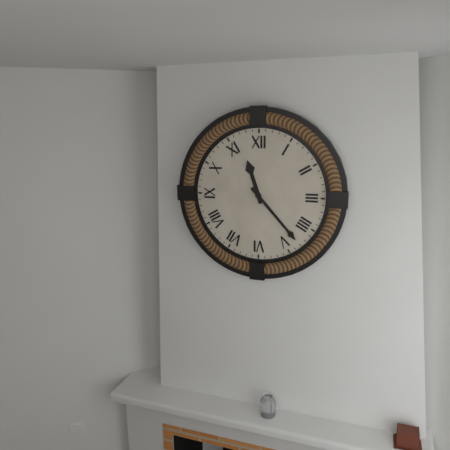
**11:23**
